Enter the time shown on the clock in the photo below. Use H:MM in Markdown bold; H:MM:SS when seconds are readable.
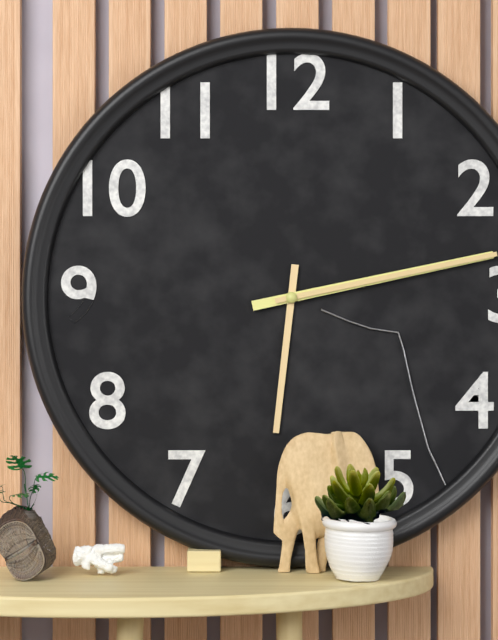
**6:13:13**
